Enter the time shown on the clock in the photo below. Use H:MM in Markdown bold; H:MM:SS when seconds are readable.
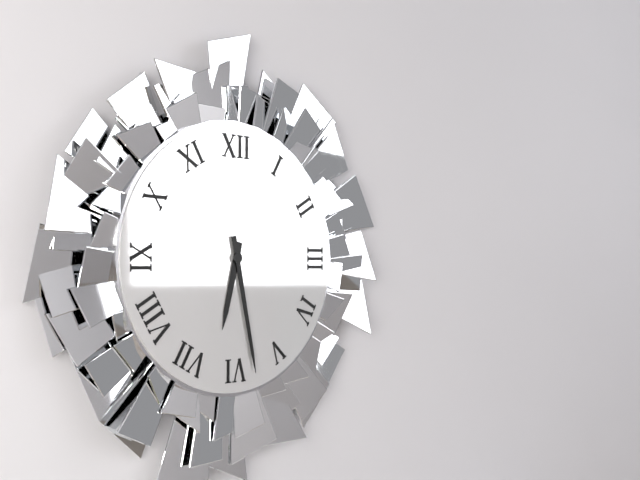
**6:28**
